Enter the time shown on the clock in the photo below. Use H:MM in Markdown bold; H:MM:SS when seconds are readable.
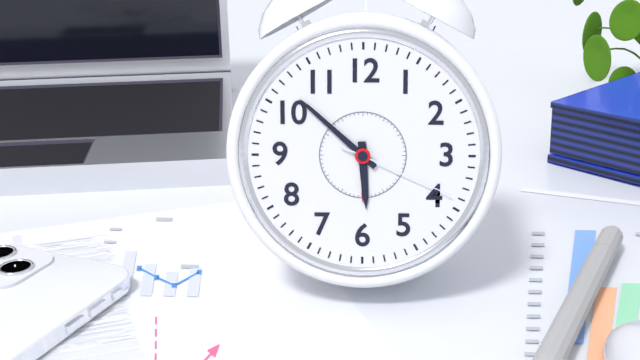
**5:52:19**
